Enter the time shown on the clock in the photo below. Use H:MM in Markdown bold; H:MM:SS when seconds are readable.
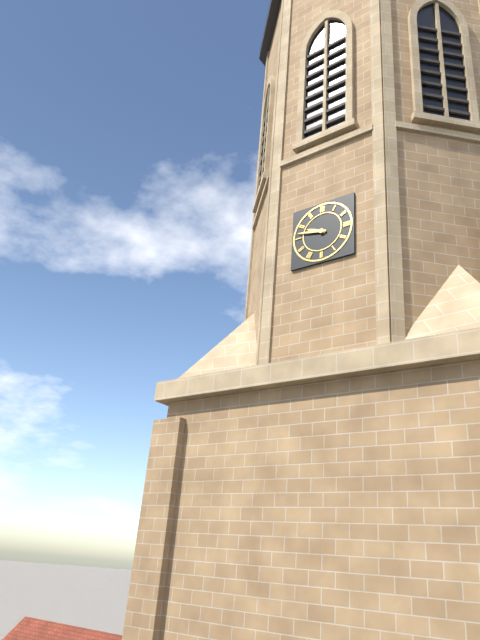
**9:47**
